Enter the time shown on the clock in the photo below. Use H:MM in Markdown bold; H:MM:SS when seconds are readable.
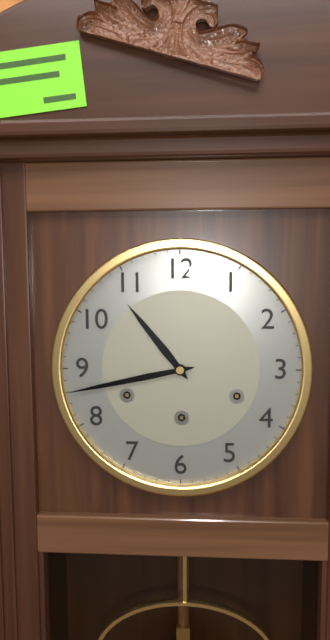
**10:43**
